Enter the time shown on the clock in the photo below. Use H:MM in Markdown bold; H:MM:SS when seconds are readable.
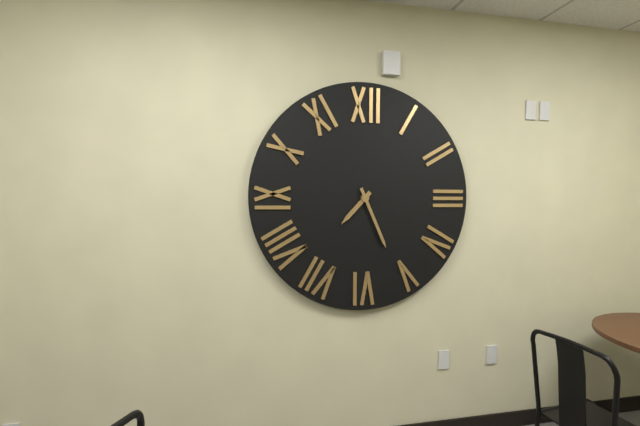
**7:26**
